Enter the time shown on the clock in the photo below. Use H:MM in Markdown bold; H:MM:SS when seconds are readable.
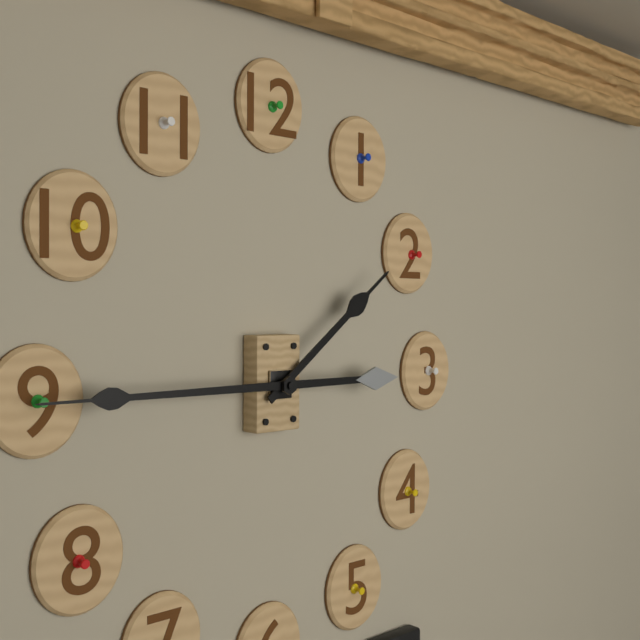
**1:45**
